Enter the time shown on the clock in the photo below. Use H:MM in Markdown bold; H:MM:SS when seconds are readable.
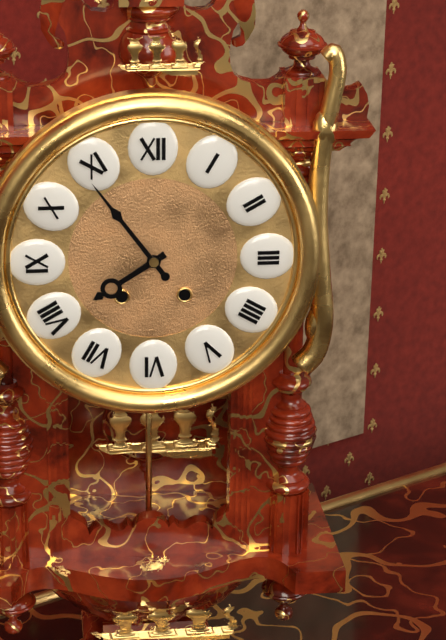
**7:54**
